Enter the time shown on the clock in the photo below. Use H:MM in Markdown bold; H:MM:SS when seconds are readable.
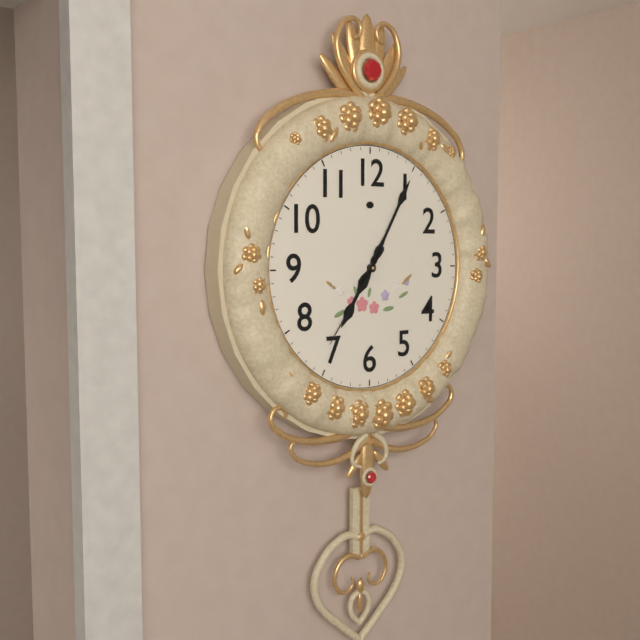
**7:05:36**
